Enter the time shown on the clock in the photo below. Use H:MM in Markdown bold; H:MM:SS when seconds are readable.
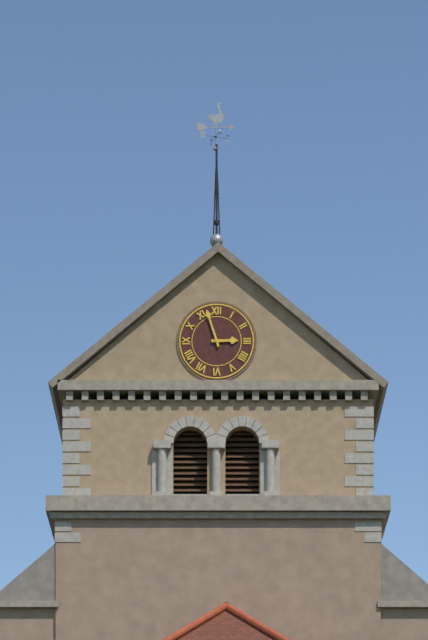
**2:57**
